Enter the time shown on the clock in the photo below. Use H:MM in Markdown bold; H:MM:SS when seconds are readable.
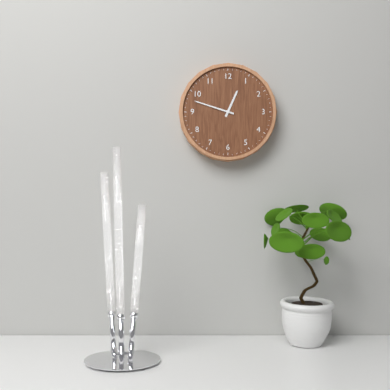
**12:48**
